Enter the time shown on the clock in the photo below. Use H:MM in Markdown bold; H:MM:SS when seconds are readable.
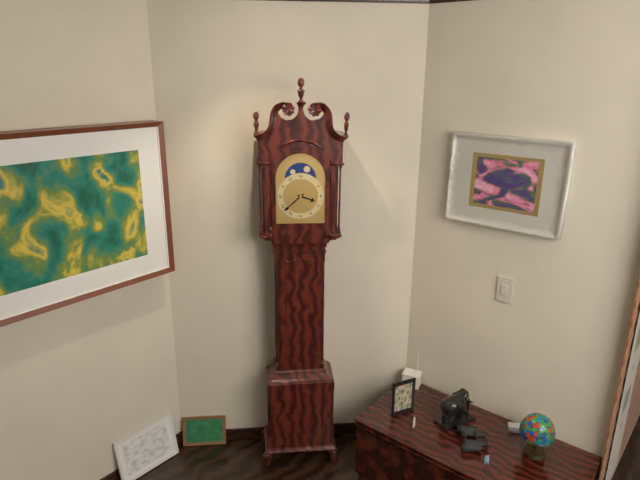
**3:38**
